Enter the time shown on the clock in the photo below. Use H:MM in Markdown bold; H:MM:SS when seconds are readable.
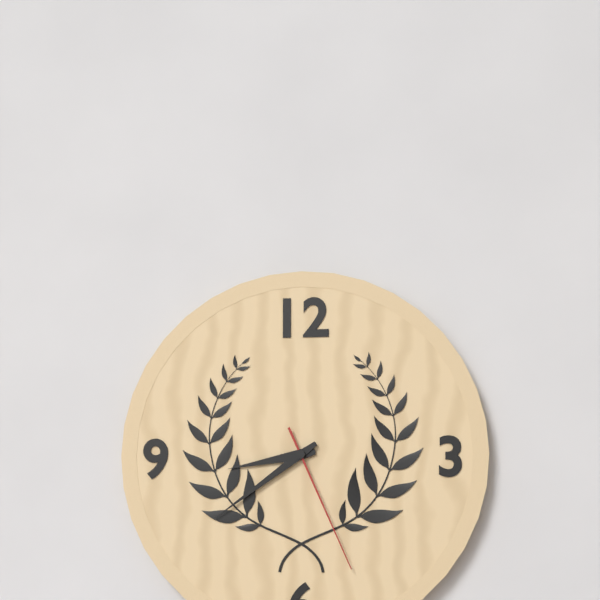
**8:39:26**
